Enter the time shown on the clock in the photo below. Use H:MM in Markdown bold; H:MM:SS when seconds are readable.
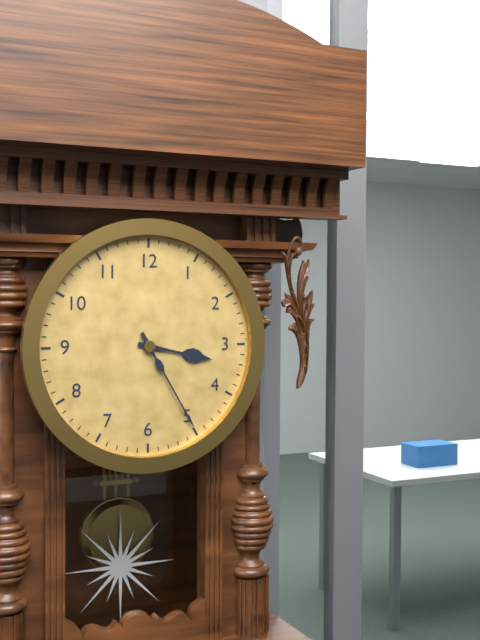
**3:25**
